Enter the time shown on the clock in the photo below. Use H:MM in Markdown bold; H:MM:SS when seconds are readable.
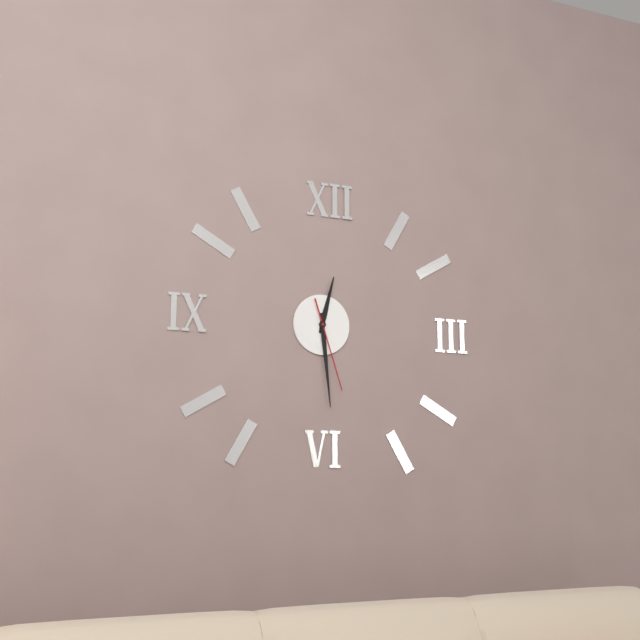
**12:29:27**
